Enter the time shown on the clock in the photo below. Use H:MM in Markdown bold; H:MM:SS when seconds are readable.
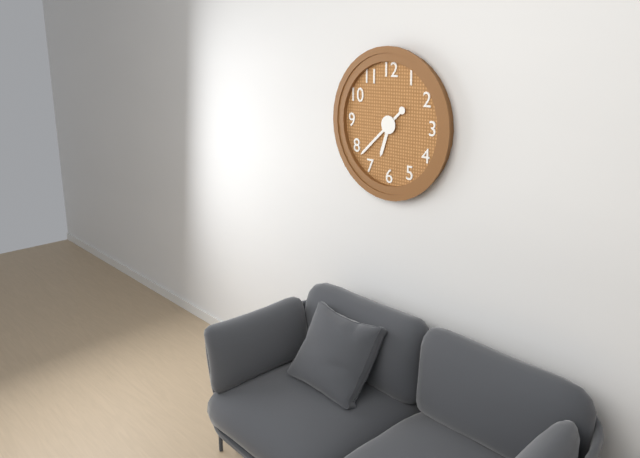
**6:38**
